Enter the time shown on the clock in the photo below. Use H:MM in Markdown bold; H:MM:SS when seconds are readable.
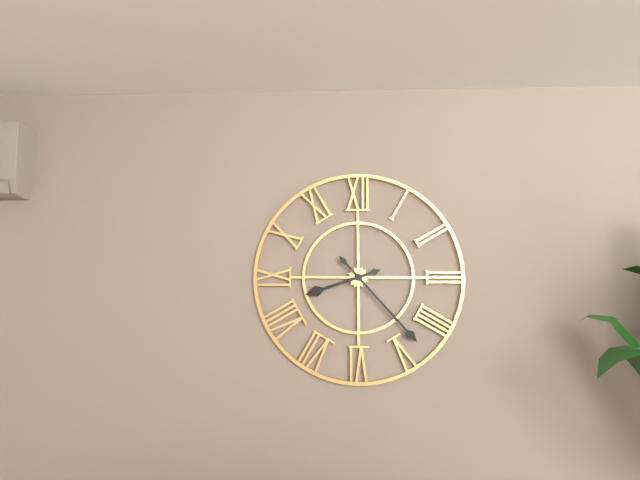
**8:23**
